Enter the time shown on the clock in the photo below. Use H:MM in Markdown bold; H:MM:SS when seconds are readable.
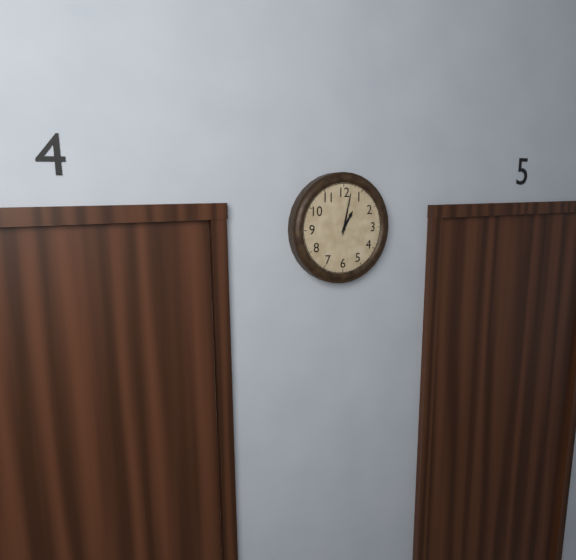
**1:02**
